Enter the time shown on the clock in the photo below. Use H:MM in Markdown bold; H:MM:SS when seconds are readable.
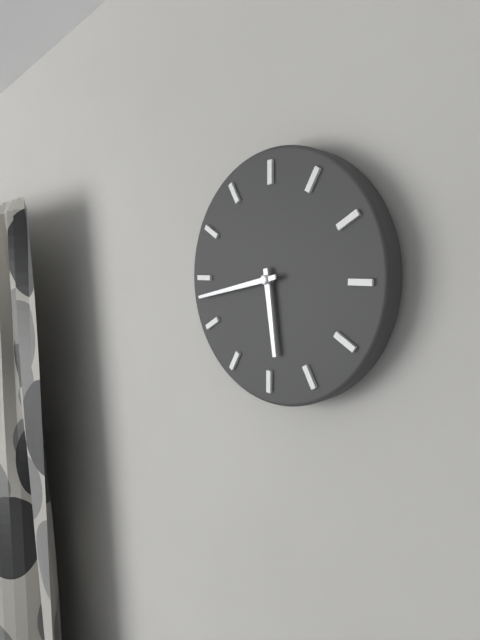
**5:43**
